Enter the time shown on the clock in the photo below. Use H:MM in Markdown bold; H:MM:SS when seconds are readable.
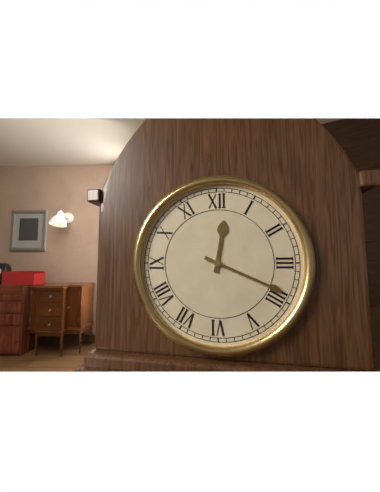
**12:19**
